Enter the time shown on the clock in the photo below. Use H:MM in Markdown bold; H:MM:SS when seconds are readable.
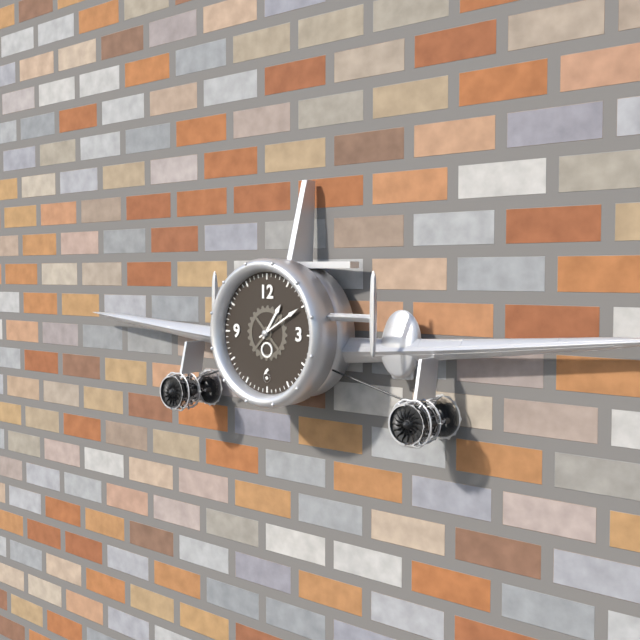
**1:10**
